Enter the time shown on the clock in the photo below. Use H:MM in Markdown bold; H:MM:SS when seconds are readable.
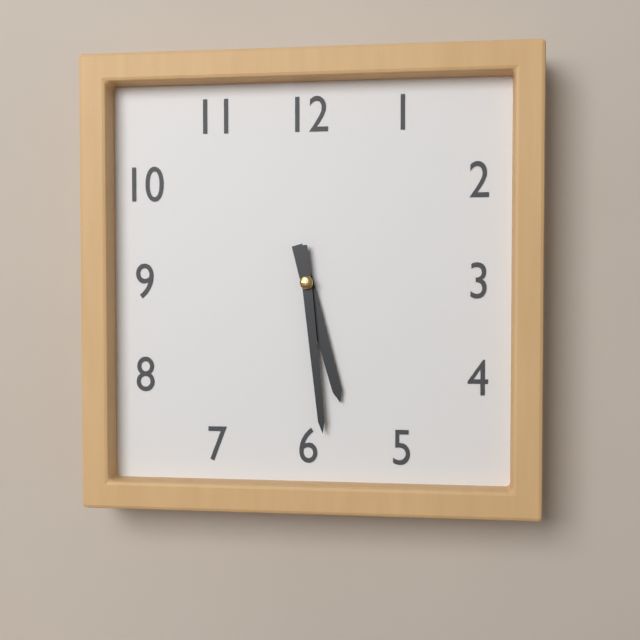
**5:29**
